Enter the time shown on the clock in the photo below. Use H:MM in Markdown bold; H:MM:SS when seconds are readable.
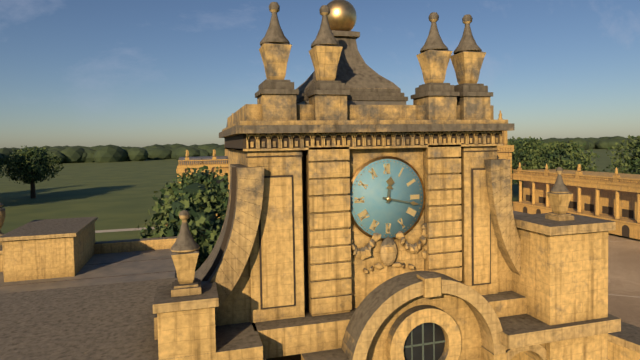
**12:17**
